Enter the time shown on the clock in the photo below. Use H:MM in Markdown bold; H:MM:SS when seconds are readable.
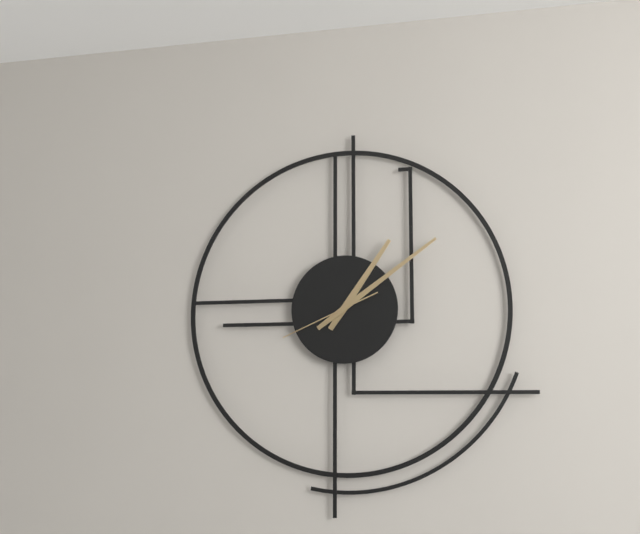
**1:09:41**
